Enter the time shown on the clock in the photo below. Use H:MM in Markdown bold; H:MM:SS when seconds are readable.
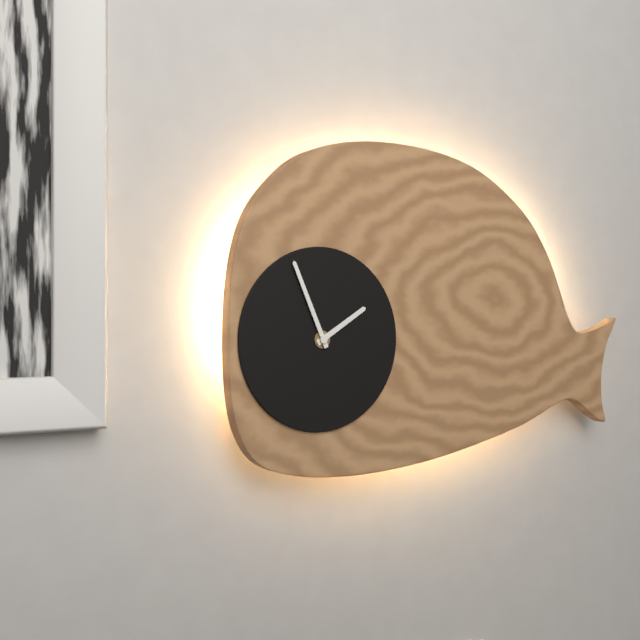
**1:56**
